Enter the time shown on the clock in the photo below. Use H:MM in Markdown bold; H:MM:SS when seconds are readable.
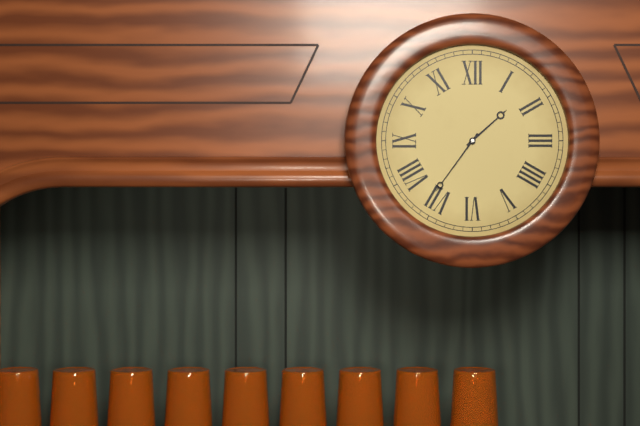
**1:36**
